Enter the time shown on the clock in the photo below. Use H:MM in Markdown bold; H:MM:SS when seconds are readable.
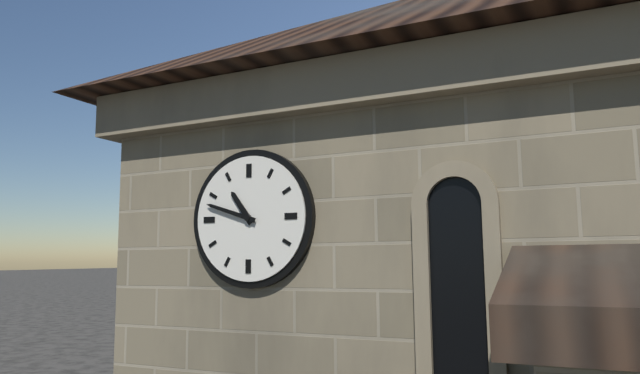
**10:48**
